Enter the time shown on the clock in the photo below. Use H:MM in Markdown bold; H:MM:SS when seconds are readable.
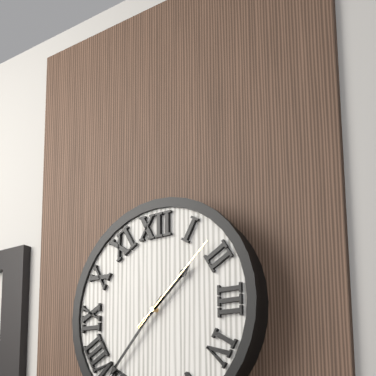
**1:37:08**
